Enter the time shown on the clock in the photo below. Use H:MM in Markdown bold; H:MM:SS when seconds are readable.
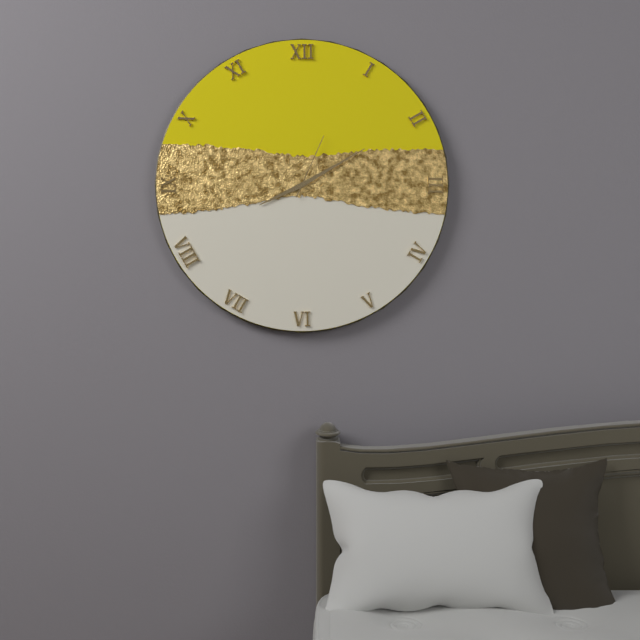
**8:10:04**
